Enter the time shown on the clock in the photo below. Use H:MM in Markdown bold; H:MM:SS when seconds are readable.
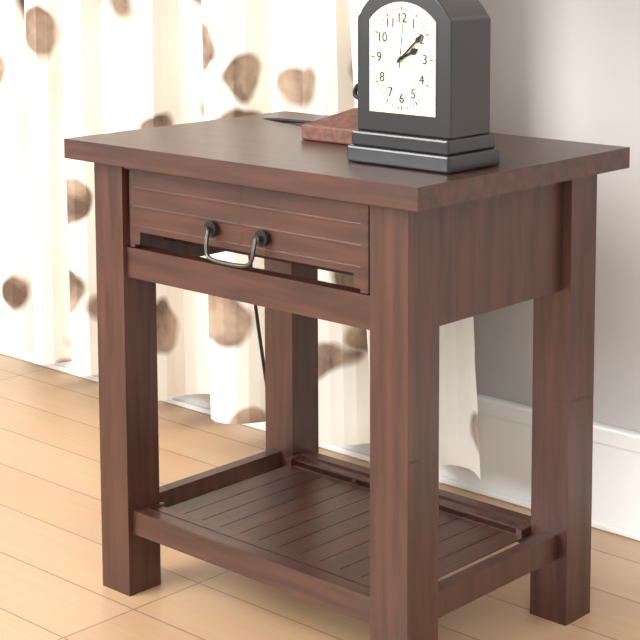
**2:08**
